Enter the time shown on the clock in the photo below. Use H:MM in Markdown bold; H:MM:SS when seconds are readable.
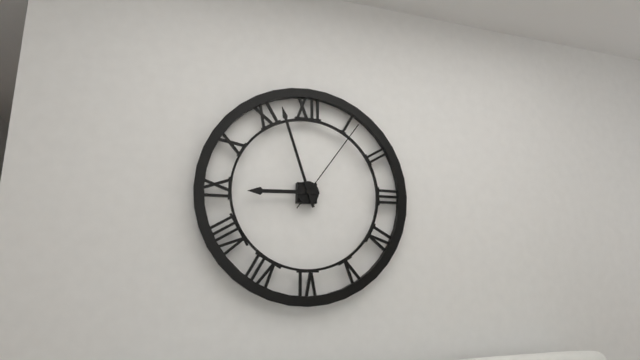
**8:57:06**
